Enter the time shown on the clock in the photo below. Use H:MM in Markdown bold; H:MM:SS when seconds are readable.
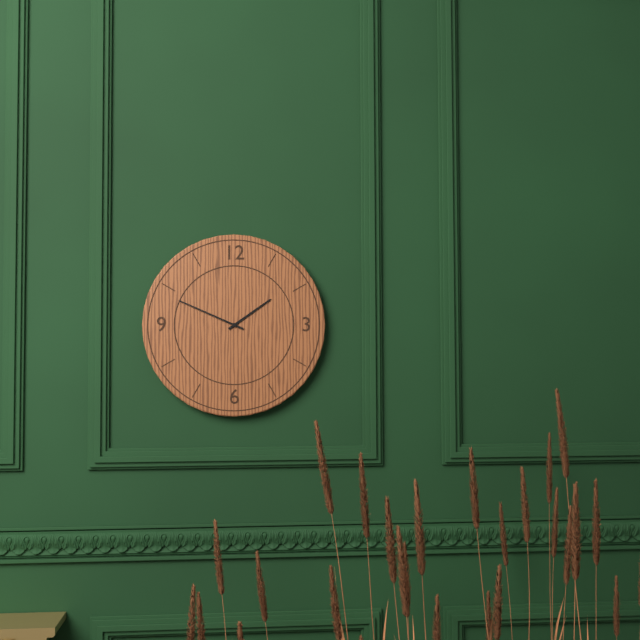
**1:49**
